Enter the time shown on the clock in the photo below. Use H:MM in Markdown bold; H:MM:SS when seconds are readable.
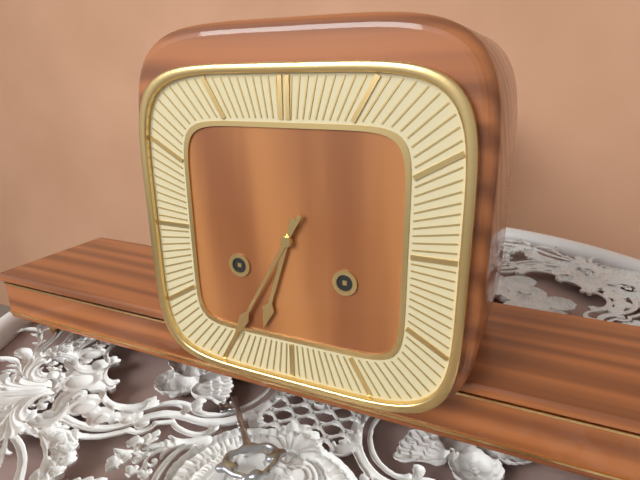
**6:35**
